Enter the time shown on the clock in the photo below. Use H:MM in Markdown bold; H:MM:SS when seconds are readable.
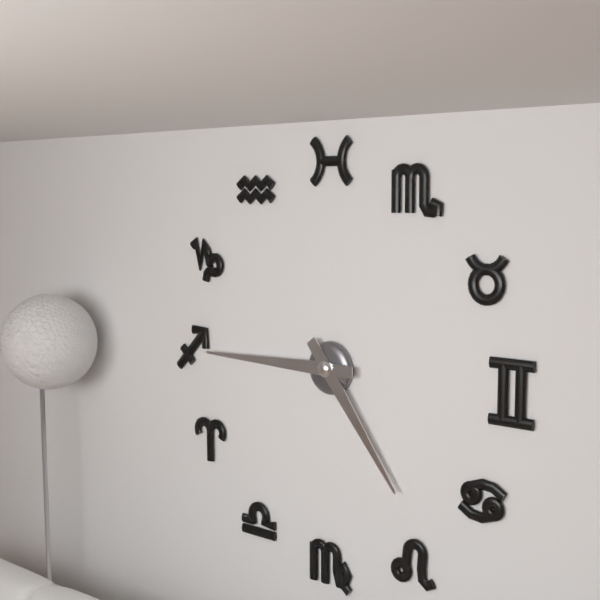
**4:45**
